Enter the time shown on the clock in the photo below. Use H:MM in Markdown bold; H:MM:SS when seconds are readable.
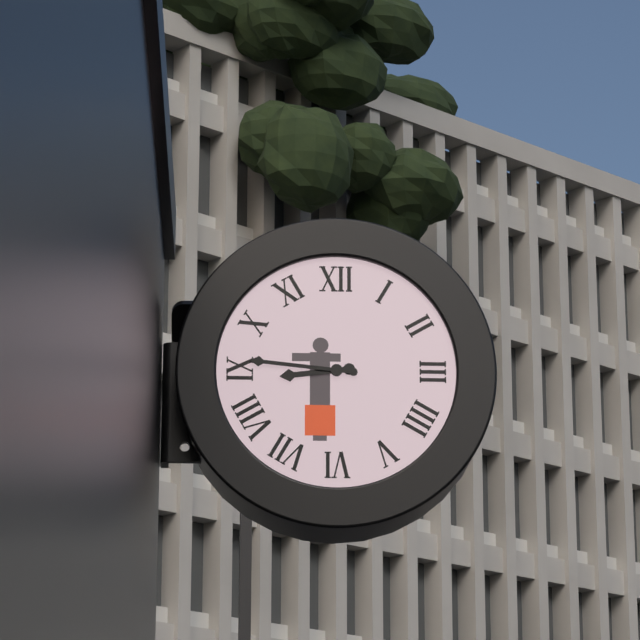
**8:46**
